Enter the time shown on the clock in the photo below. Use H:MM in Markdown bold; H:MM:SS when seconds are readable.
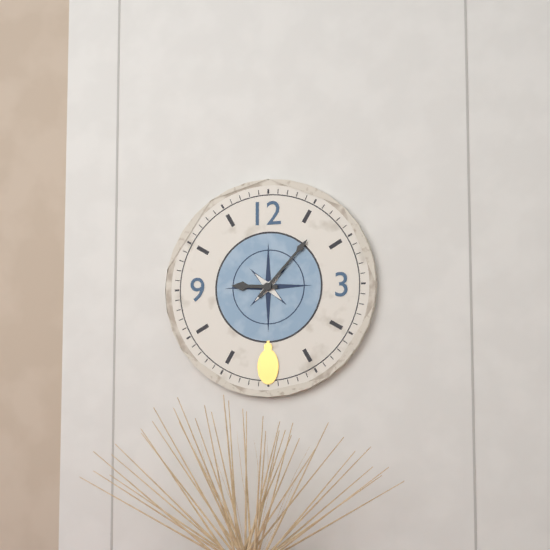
**9:07**
